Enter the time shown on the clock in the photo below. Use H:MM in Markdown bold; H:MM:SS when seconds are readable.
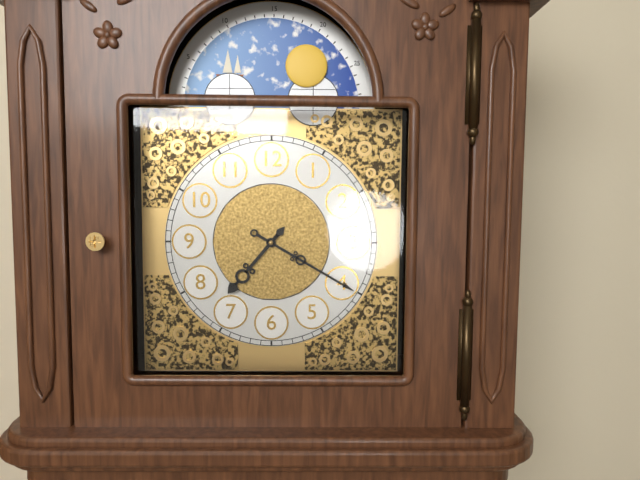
**7:20**
